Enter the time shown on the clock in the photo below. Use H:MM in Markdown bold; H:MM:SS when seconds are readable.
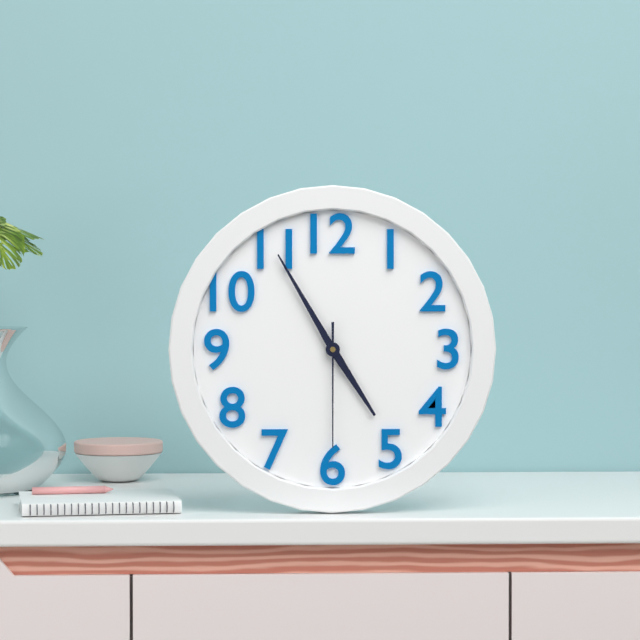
**4:55:30**
